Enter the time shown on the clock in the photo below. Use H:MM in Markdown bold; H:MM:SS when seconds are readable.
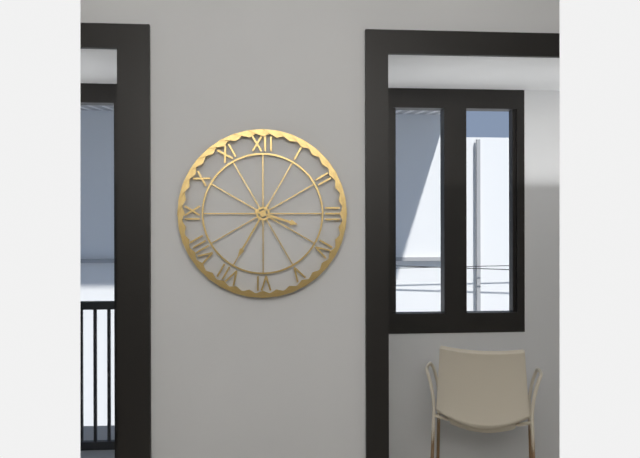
**3:35**
